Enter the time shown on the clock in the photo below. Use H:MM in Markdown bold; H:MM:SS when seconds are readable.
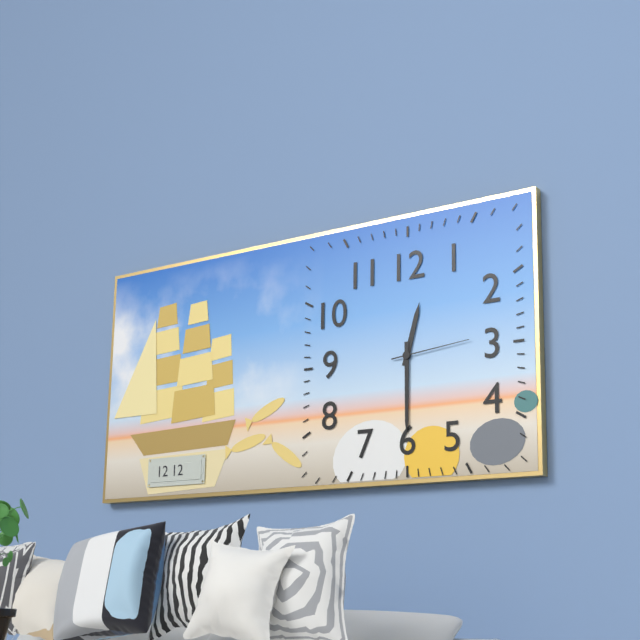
**12:30:14**
